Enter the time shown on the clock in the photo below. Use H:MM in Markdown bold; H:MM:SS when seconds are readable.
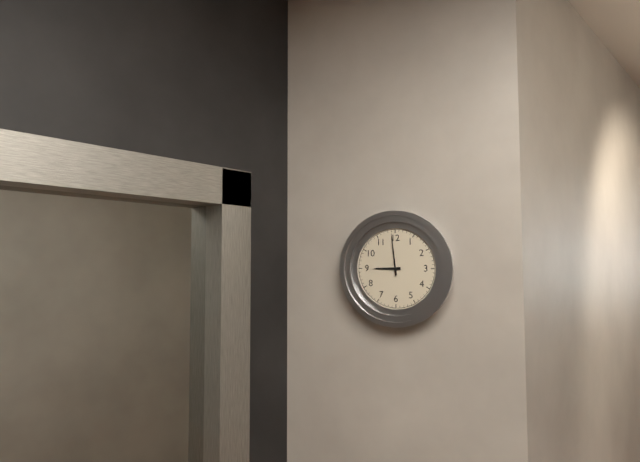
**8:59**
